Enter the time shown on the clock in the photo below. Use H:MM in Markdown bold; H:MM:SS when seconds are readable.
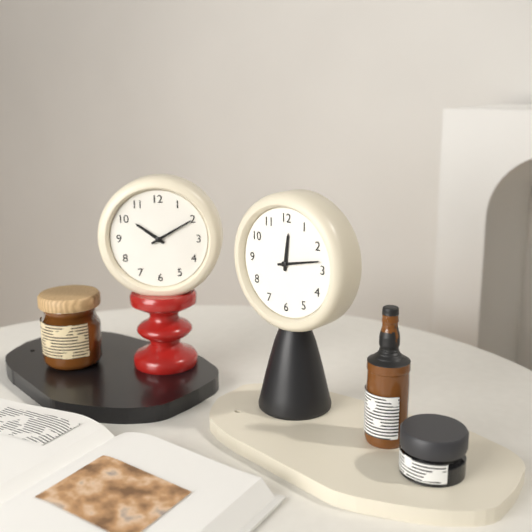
**12:13**
